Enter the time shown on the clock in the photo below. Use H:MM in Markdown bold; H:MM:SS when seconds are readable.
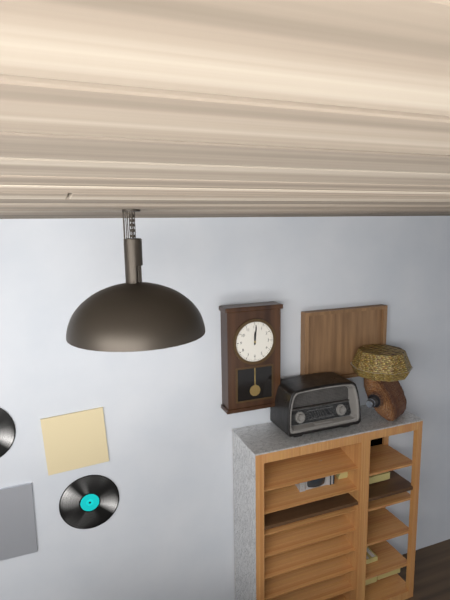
**12:01**
